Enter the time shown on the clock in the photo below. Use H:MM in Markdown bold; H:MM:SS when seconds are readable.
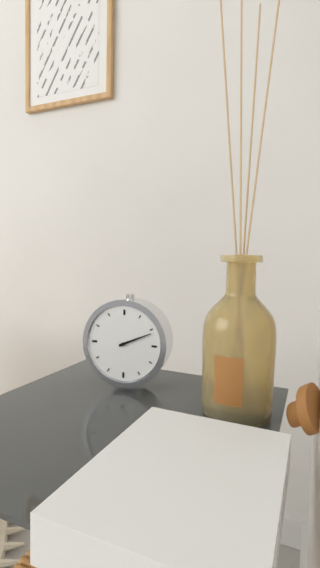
**2:11**
